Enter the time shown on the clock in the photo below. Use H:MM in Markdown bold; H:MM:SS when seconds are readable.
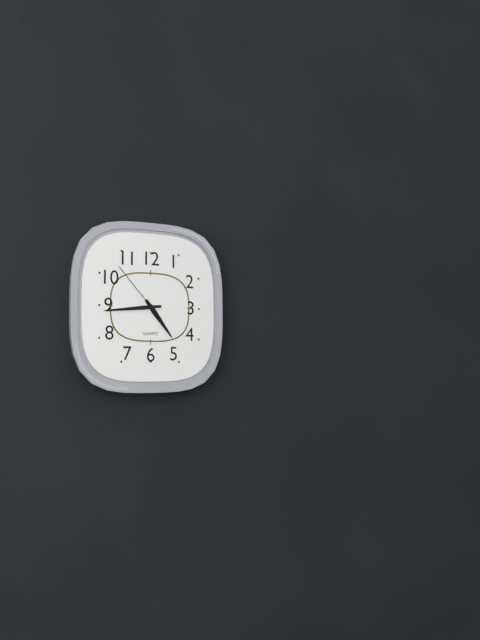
**4:44:53**
